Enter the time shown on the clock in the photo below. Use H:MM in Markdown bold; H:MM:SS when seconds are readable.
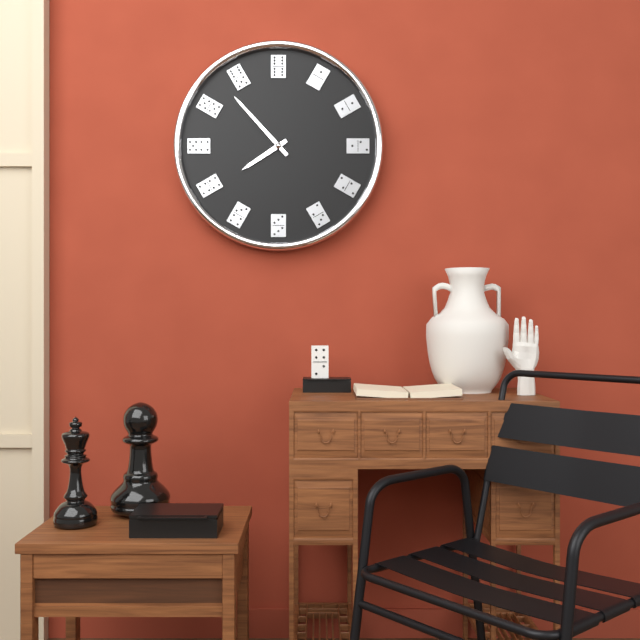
**7:53**
